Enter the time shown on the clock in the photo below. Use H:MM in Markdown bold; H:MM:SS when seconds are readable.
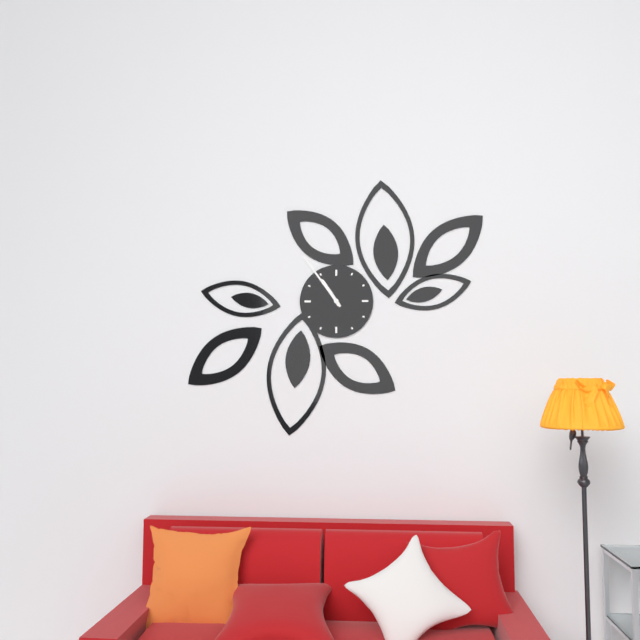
**10:54**
